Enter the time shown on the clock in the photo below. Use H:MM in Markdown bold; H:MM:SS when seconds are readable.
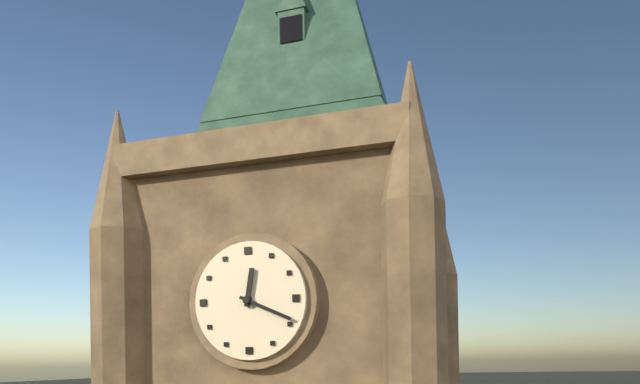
**12:19**
